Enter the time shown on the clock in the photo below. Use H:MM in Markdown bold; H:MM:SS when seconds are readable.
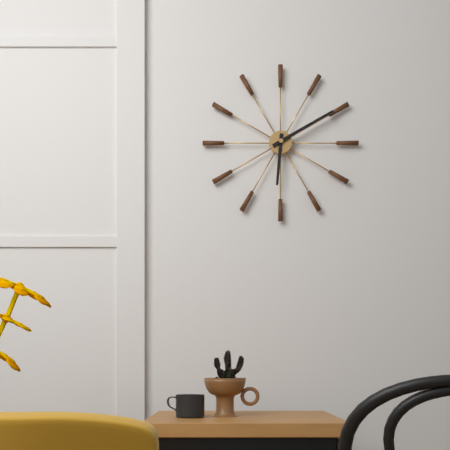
**6:10**
